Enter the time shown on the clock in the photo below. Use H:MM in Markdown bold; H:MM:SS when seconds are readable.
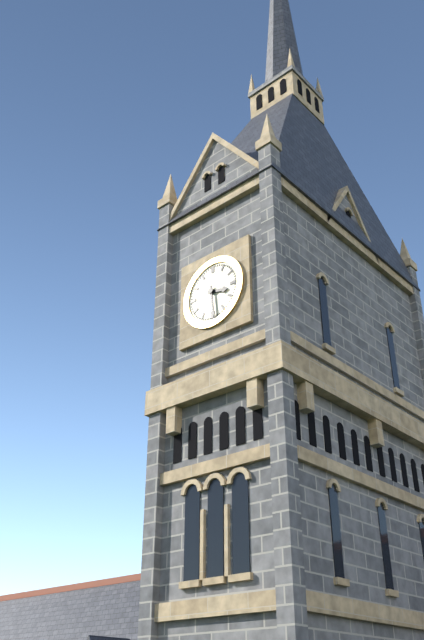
**3:29**
